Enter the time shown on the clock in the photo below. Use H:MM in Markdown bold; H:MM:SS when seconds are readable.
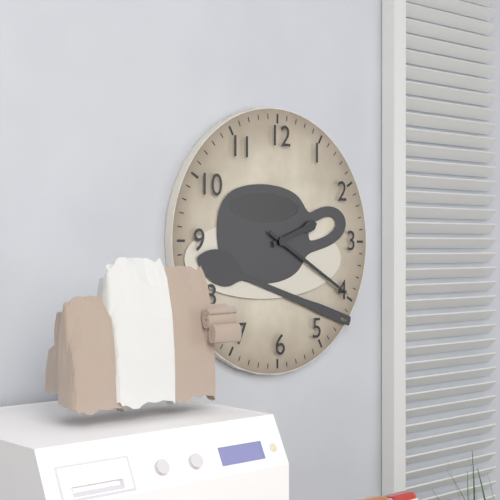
**2:20**
